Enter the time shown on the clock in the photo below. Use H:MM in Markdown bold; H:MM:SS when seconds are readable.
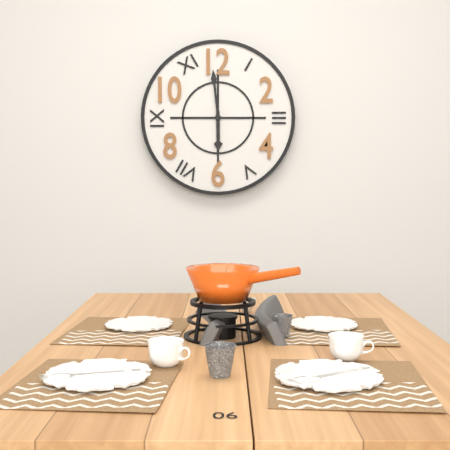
**5:59**
